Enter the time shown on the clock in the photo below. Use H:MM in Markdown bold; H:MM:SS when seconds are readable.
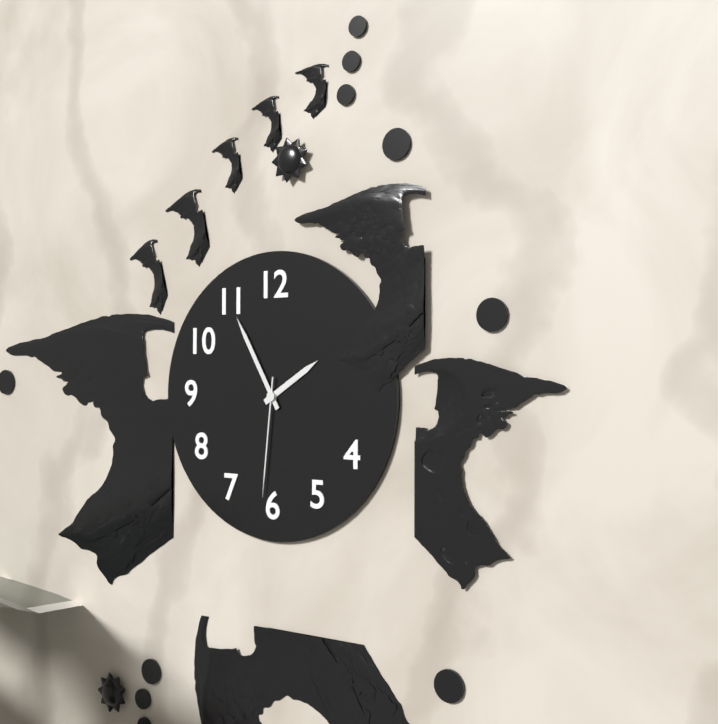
**1:55:31**
